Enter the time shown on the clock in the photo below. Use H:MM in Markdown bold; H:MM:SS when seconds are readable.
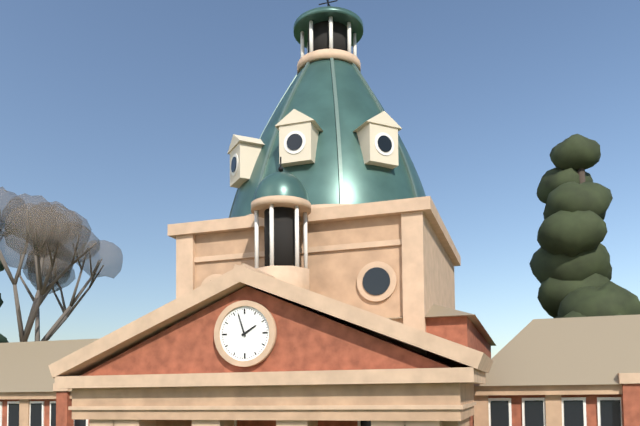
**1:57**
